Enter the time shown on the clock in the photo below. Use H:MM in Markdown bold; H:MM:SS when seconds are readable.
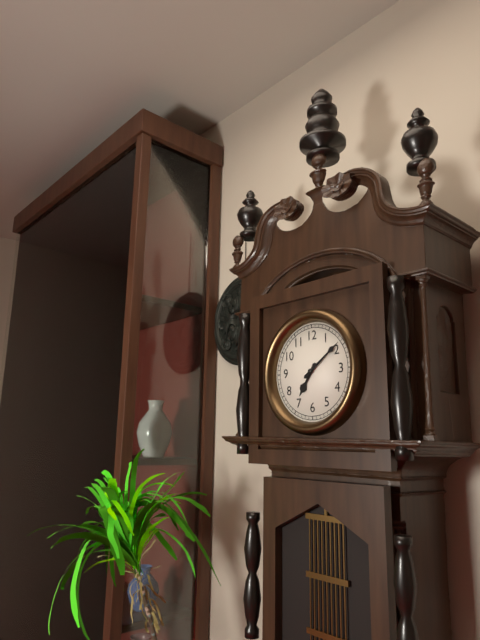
**7:09**
